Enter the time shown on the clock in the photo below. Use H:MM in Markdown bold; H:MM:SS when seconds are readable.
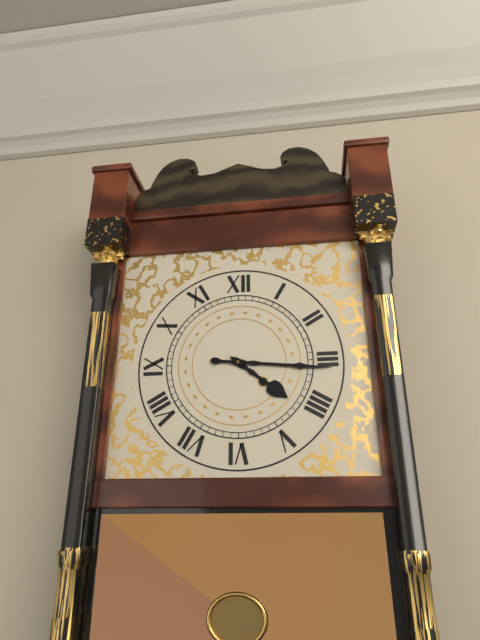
**4:16**
